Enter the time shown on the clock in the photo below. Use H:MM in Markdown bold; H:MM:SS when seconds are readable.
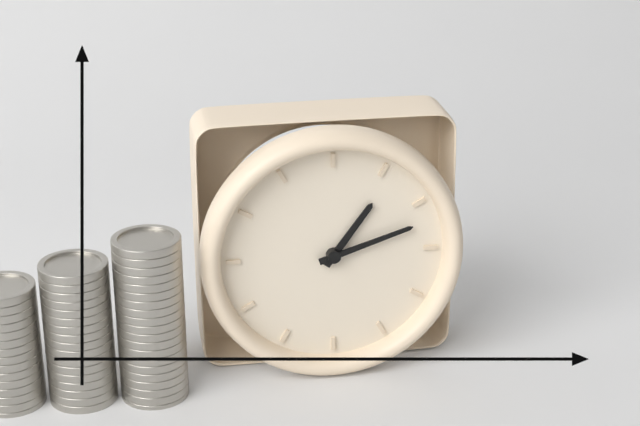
**1:12**
